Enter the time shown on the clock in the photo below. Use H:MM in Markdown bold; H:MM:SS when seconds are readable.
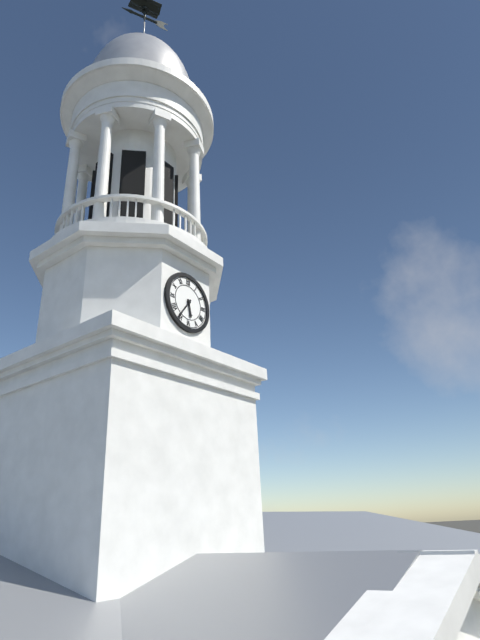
**5:36**
